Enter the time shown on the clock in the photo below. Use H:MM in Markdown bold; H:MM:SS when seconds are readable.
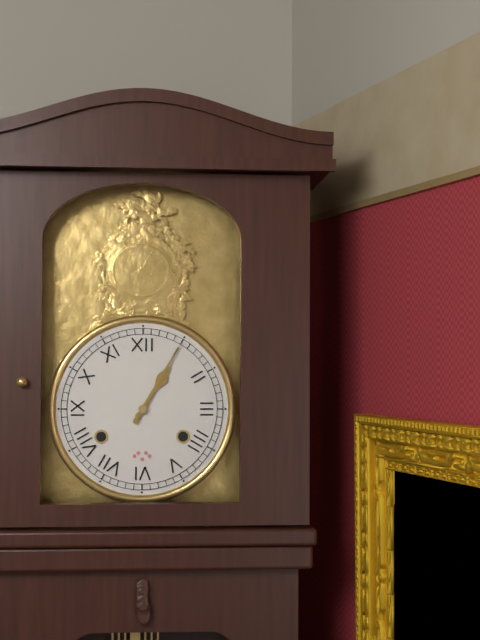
**1:05**
